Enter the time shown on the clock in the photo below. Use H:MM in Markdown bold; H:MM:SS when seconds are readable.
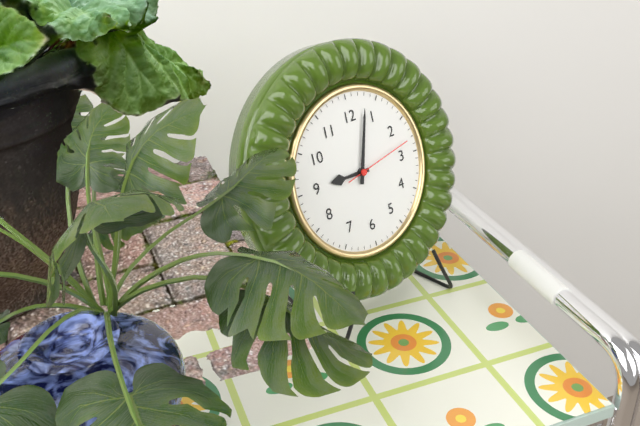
**9:03:13**
